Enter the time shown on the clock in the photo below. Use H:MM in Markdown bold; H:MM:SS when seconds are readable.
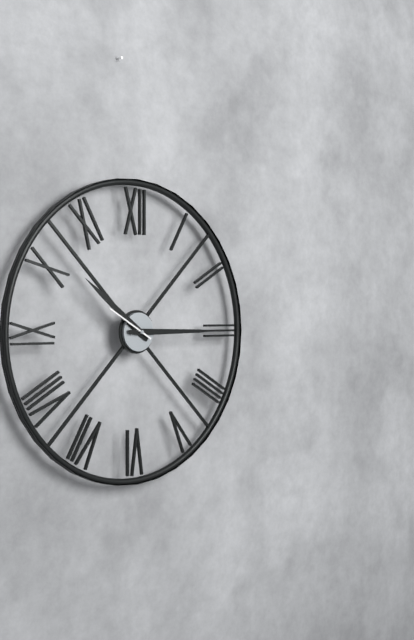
**10:15:50**
